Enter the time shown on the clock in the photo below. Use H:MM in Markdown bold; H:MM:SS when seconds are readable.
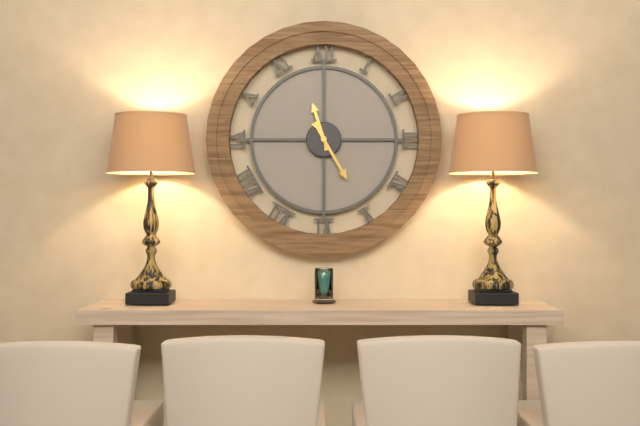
**11:25**
